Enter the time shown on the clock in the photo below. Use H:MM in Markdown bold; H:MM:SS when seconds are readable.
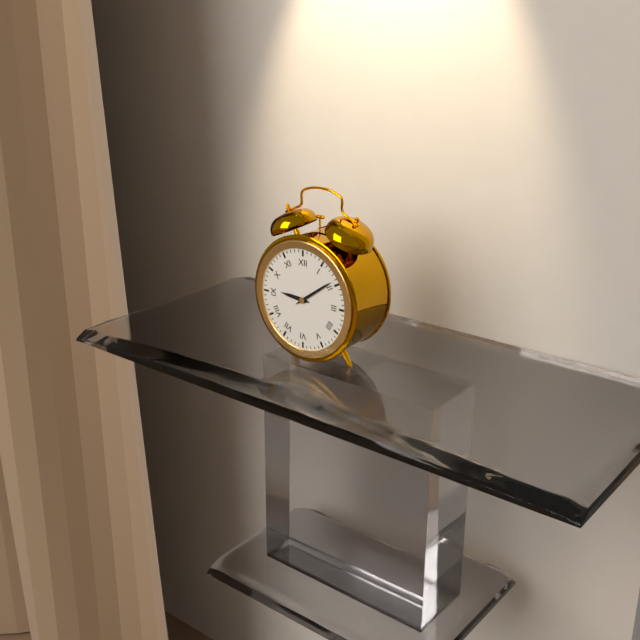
**9:09**
